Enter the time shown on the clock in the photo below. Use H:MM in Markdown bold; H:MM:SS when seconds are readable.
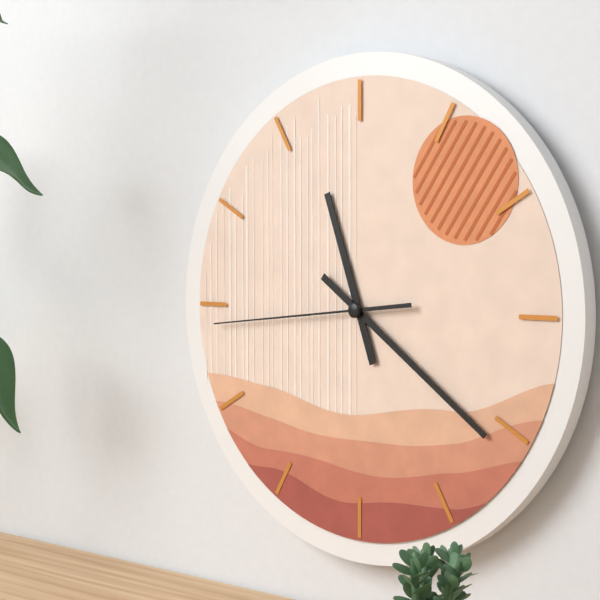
**11:21:44**
